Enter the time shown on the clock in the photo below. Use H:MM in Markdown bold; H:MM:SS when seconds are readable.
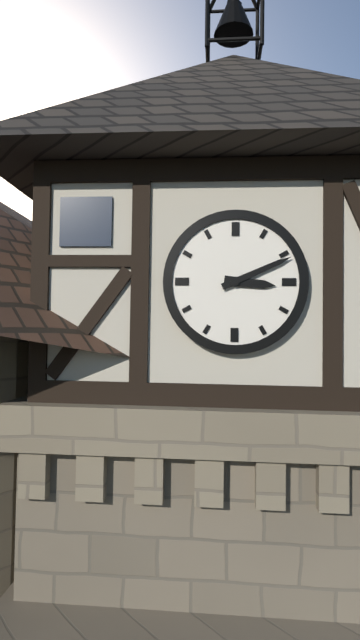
**3:11**
